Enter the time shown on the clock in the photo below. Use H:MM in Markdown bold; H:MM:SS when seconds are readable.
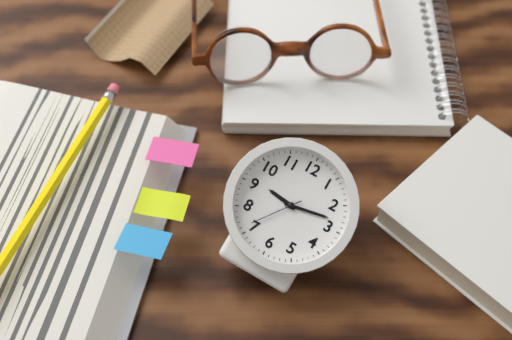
**9:13:36**
